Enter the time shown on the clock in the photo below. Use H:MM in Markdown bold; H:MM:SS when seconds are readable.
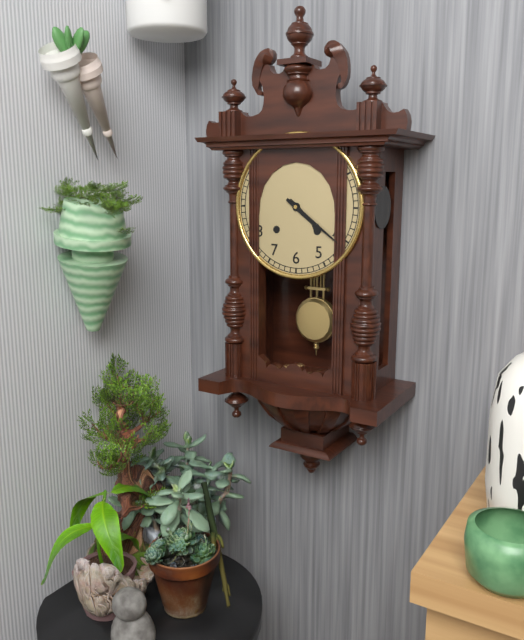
**4:21**
